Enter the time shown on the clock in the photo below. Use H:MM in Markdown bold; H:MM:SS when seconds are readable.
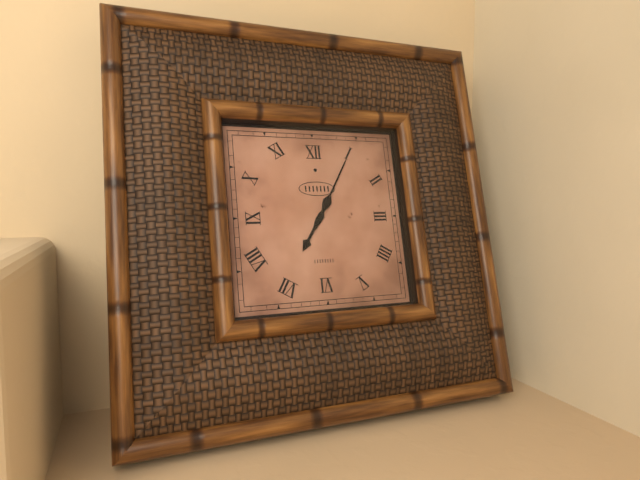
**7:05**
